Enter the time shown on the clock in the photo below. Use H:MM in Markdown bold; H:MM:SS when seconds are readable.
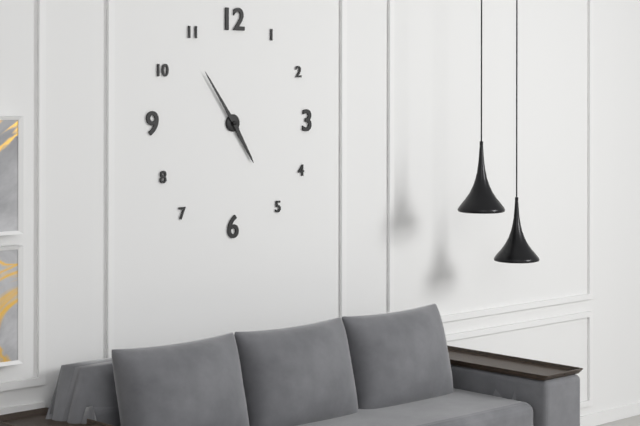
**4:54**
